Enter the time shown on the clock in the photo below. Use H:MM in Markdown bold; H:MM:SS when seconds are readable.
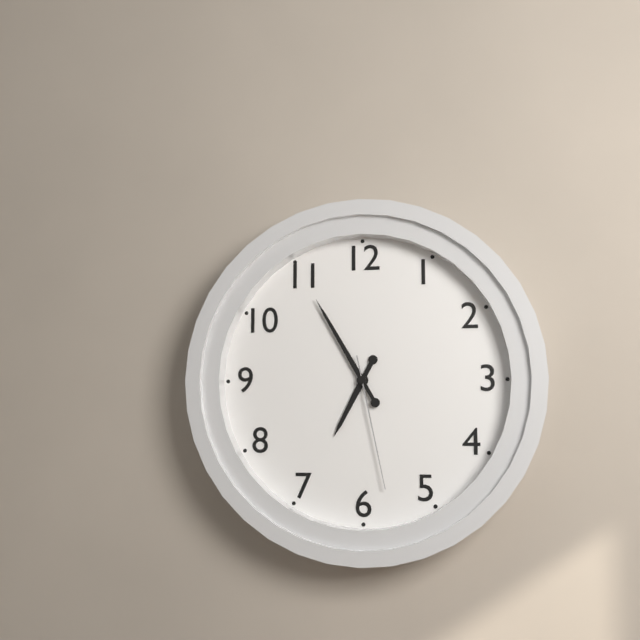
**6:55:28**
